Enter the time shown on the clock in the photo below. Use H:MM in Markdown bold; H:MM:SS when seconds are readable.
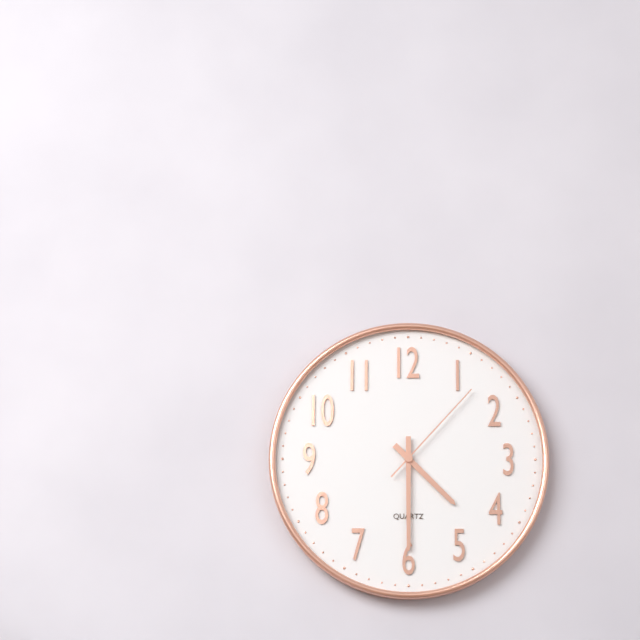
**4:30:07**
